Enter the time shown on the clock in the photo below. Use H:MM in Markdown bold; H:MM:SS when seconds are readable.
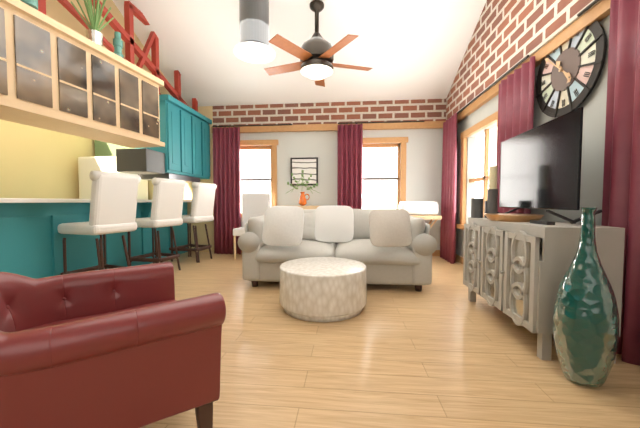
**4:52**
